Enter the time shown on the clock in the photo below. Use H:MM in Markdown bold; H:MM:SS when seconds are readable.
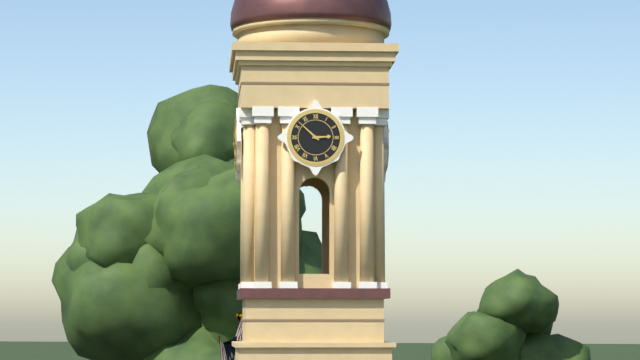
**2:52**
